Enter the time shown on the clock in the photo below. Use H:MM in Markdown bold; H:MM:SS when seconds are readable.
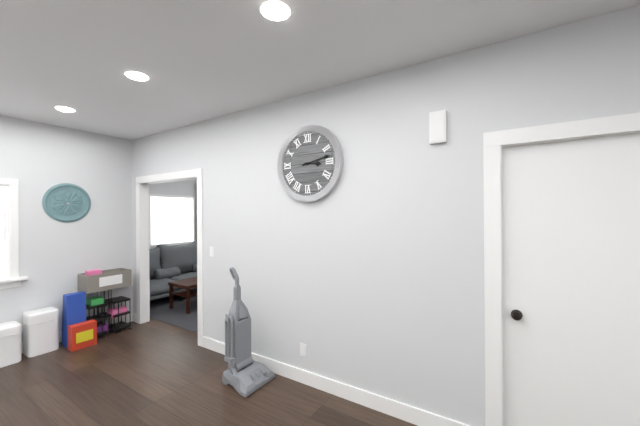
**3:13**
